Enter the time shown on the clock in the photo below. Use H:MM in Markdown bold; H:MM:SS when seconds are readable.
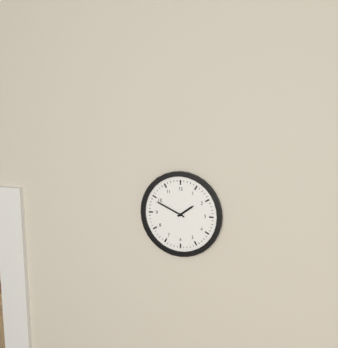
**1:49**
